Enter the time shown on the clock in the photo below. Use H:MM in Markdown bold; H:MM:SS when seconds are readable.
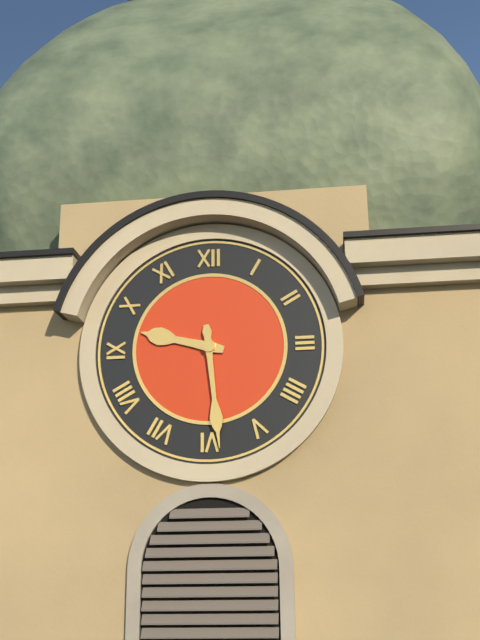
**9:29**
